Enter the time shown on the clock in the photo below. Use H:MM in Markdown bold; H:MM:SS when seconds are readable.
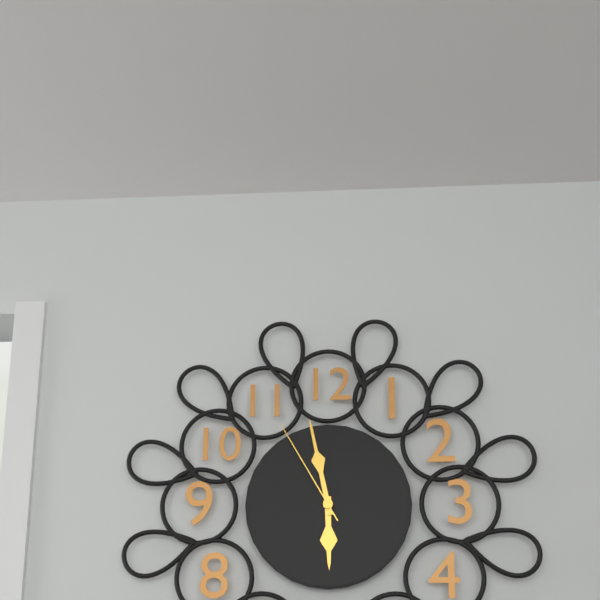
**5:58:55**
